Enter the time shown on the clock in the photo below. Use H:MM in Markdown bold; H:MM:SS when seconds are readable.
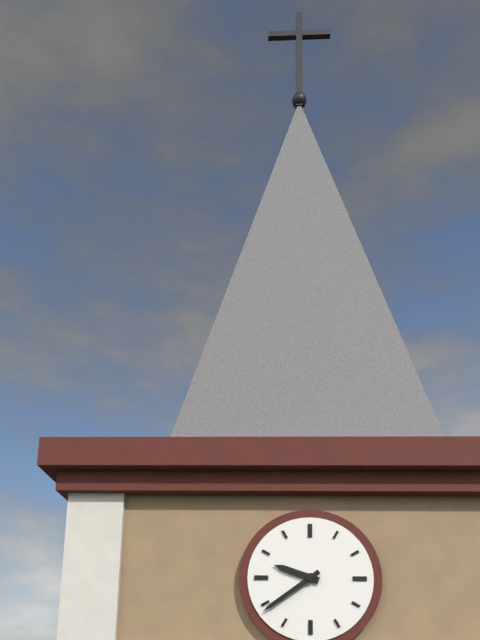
**9:39**
